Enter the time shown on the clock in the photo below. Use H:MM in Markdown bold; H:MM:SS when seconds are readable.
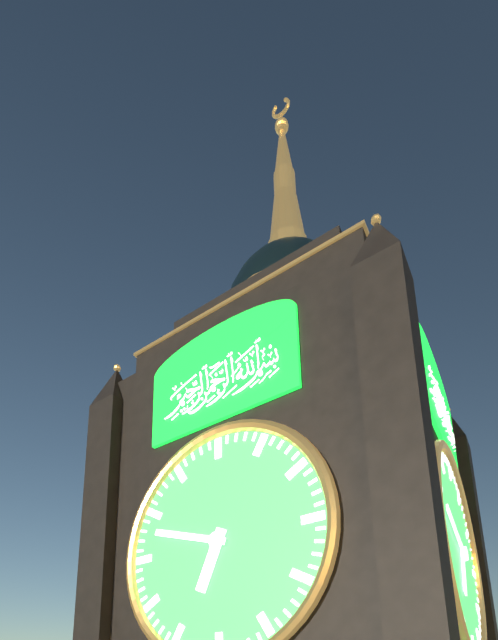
**6:48**
